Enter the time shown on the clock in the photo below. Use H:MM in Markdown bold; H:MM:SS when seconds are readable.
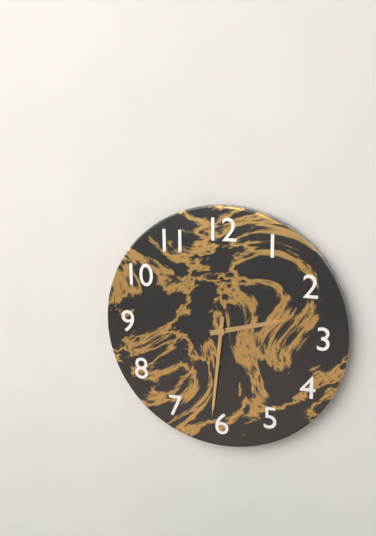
**2:31**
